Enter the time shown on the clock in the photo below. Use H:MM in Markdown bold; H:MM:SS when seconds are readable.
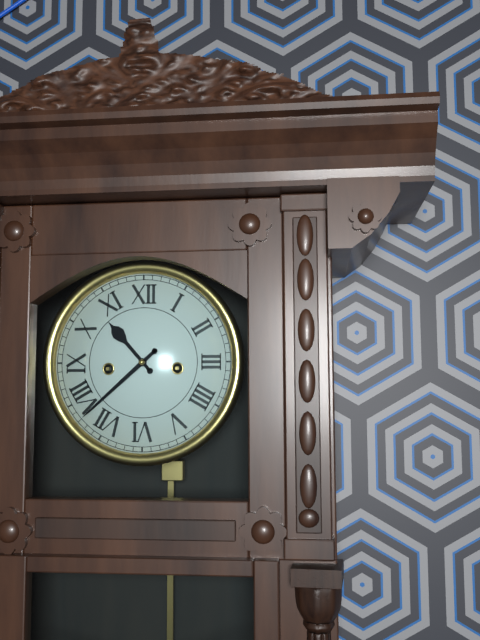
**10:38**
